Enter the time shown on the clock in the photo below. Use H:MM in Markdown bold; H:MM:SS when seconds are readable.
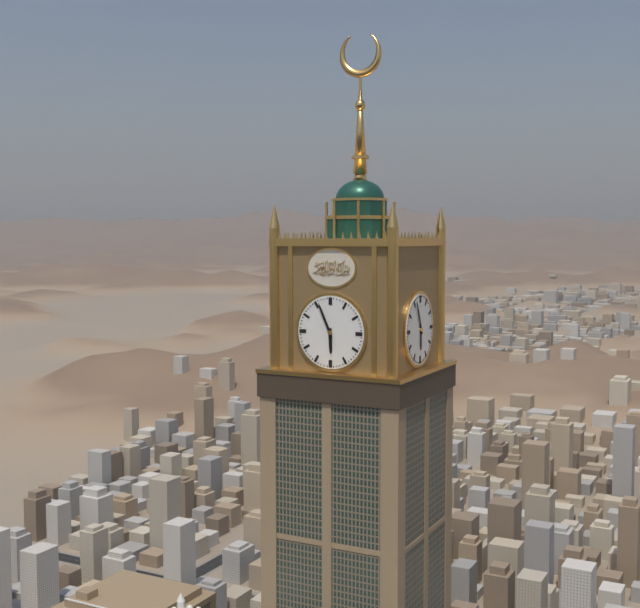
**5:56**
